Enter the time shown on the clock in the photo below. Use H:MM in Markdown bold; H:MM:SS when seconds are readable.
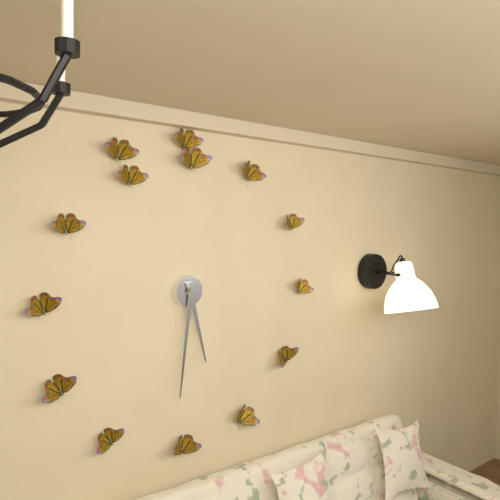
**5:31**
